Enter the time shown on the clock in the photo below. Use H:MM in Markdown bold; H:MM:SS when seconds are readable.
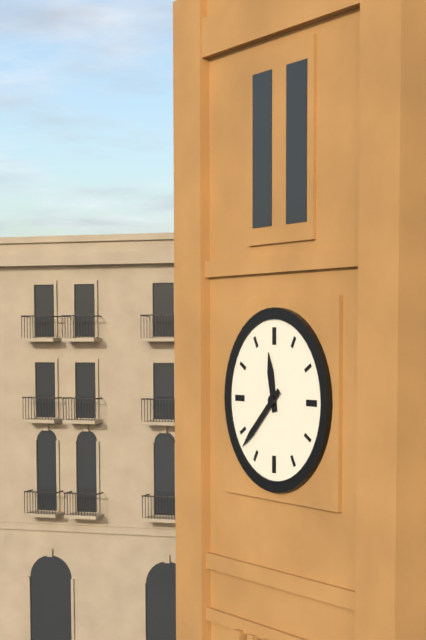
**11:38**
